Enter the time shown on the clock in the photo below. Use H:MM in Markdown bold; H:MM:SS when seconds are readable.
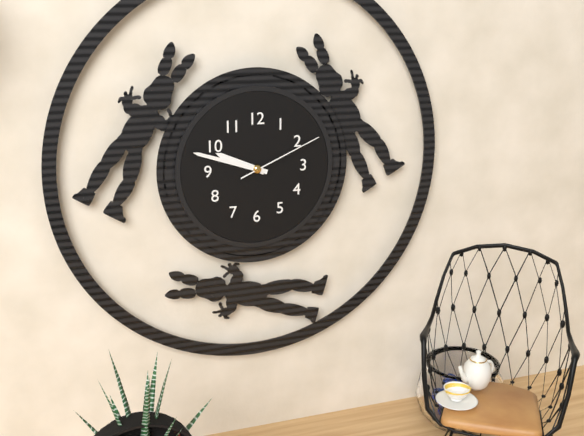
**9:48:11**
